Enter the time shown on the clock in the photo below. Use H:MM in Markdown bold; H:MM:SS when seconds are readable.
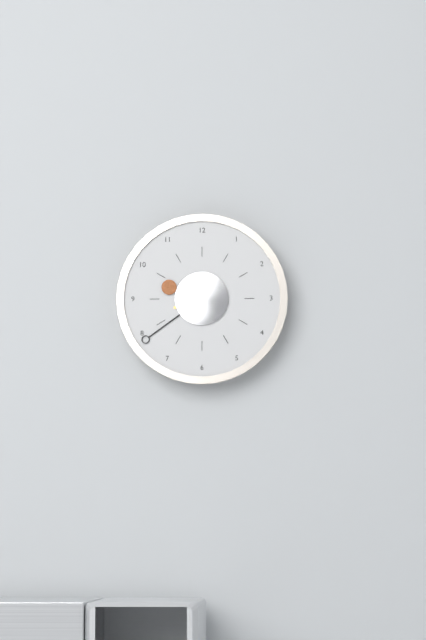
**9:39**
